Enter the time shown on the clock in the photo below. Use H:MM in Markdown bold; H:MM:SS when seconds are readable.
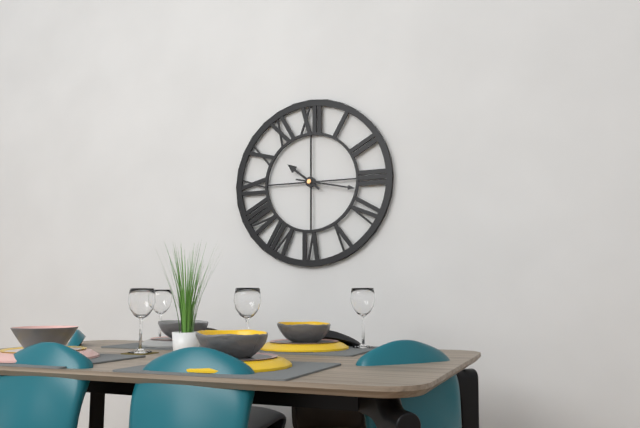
**10:17**
